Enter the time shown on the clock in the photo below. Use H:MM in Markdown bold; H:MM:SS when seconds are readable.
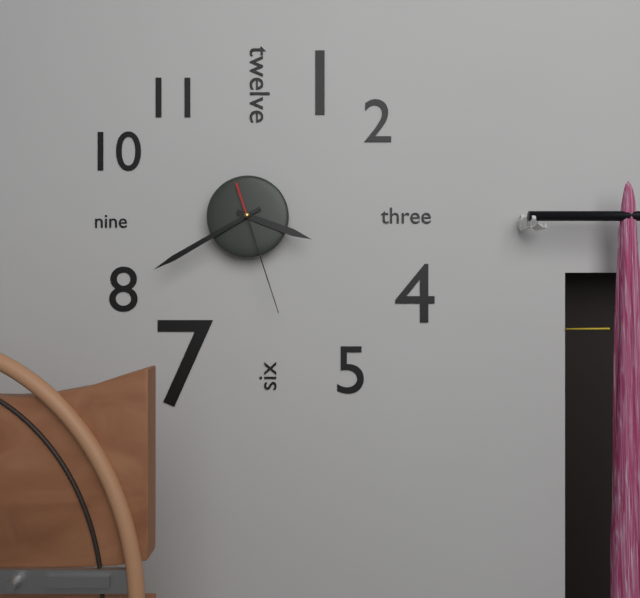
**3:40:27**
